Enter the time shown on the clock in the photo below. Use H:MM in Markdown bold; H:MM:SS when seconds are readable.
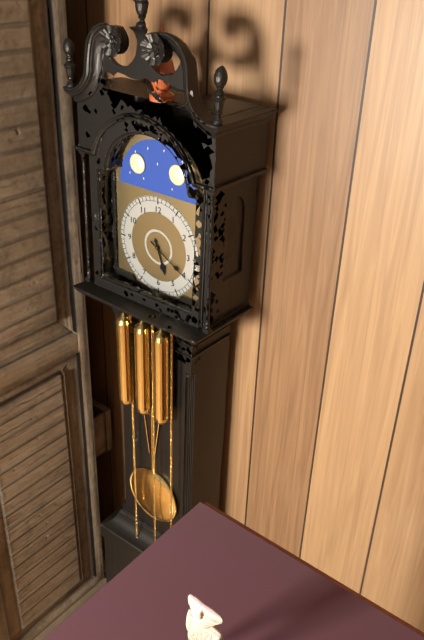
**5:20**
